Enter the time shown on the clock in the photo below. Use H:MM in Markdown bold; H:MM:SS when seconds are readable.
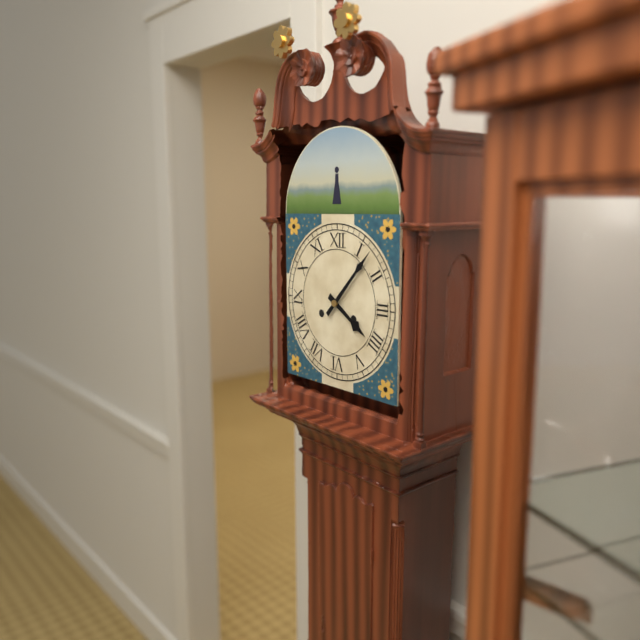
**4:07**
